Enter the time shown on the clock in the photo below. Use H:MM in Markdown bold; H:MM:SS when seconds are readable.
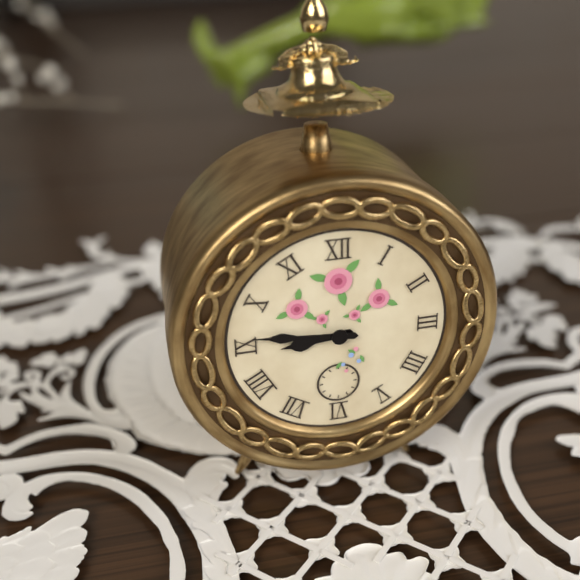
**8:46**
